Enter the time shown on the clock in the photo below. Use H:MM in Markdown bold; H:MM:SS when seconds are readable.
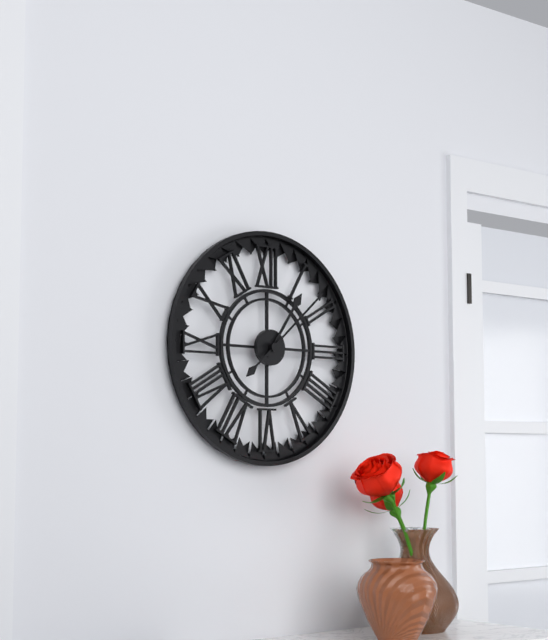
**1:08**
